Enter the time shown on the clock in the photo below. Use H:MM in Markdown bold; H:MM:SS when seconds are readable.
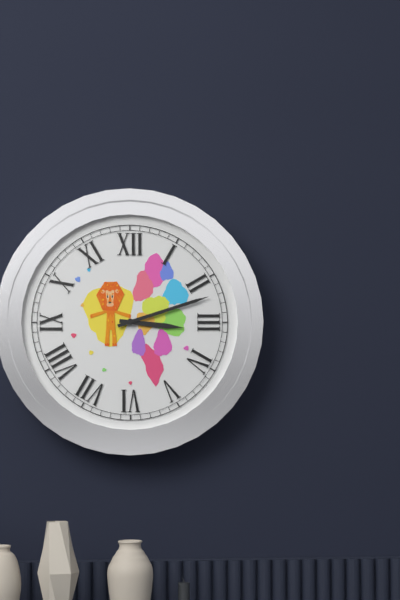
**3:12**
